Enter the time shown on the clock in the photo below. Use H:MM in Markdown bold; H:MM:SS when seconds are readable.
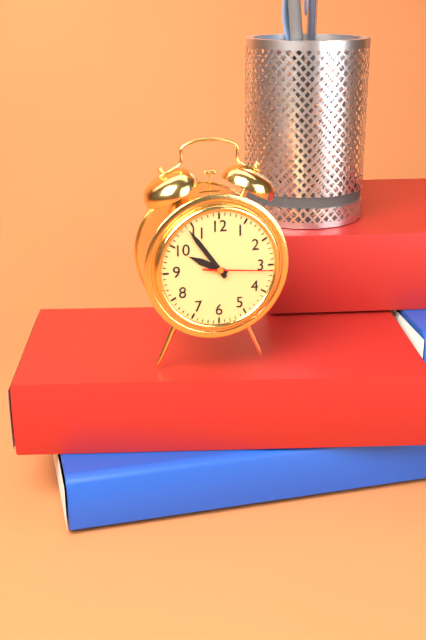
**9:54:16**
